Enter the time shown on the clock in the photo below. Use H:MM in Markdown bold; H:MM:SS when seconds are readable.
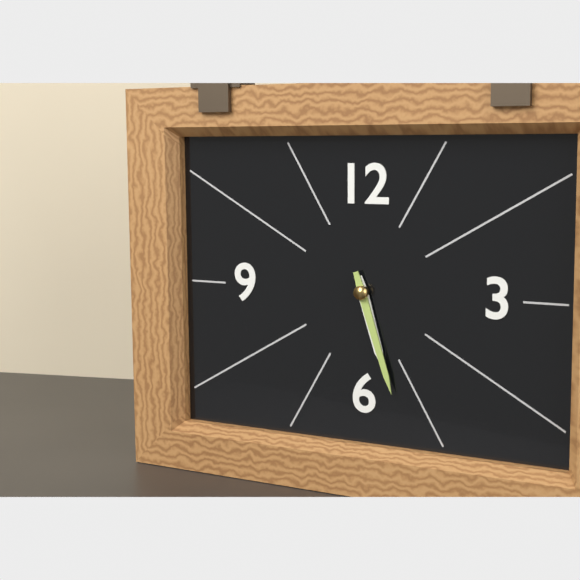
**5:27**
